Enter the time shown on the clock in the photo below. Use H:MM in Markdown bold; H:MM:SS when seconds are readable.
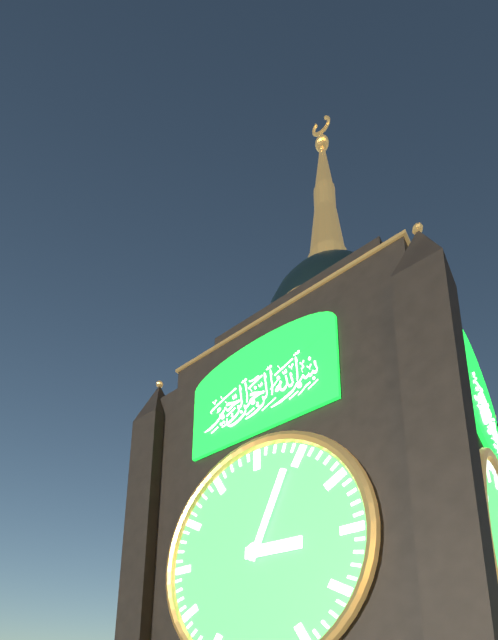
**3:04**
